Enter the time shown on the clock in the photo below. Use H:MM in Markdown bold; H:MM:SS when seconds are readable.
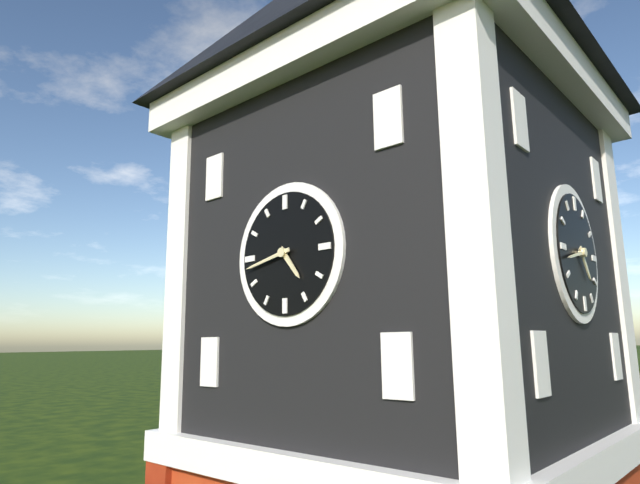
**4:43**
